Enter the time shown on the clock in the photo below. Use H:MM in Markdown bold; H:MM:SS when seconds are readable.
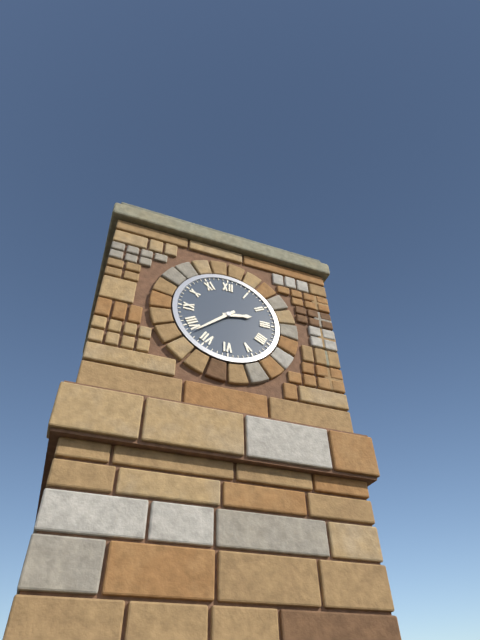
**2:38**
